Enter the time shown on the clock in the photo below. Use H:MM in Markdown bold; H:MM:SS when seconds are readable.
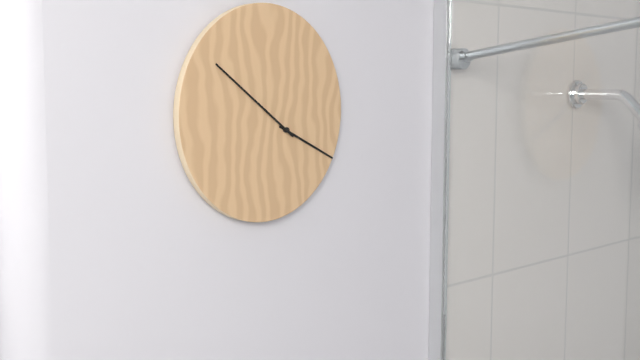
**3:51**
